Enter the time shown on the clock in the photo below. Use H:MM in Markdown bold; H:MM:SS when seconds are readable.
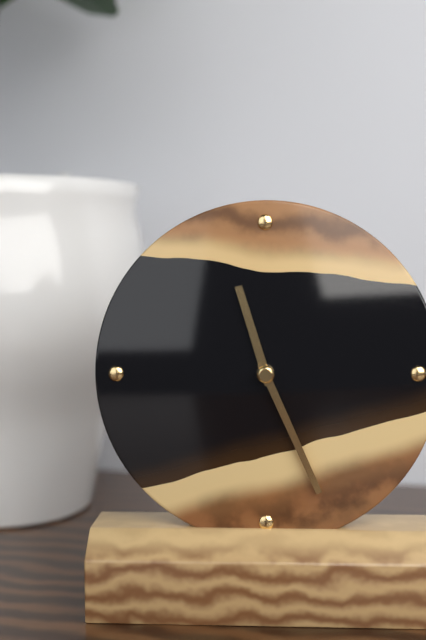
**11:26**
